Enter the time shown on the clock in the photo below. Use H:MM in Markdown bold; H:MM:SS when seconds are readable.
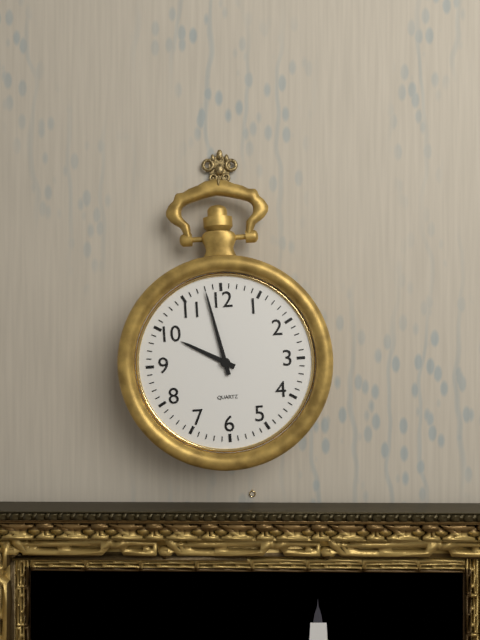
**9:58**
